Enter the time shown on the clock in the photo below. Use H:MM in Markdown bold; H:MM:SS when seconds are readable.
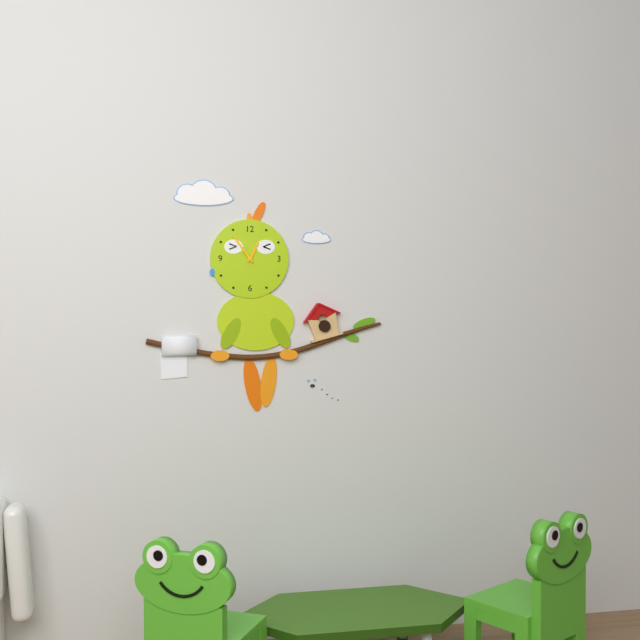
**12:54**
